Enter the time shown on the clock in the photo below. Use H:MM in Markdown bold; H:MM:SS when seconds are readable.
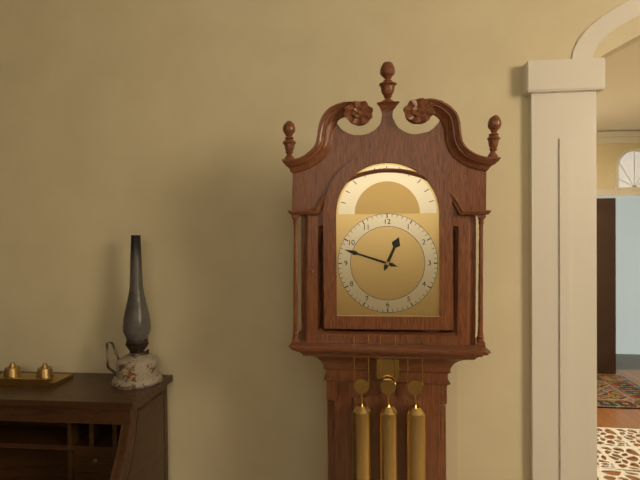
**12:48**
